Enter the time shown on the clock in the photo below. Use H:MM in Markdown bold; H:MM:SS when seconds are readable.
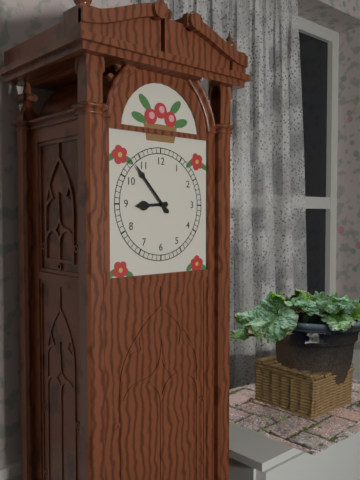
**8:53**
